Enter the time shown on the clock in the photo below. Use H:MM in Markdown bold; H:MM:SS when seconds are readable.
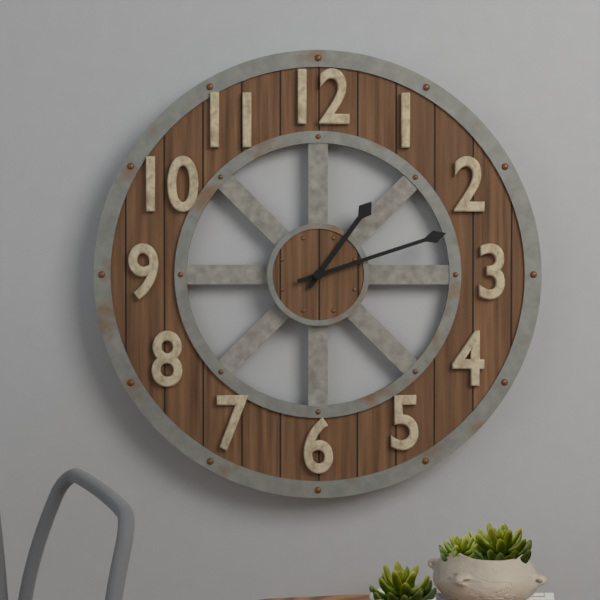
**1:12**
